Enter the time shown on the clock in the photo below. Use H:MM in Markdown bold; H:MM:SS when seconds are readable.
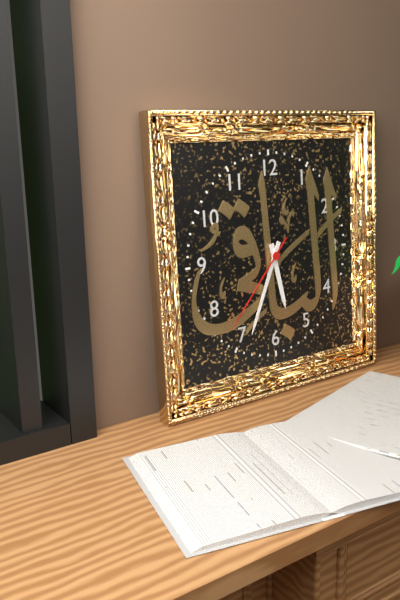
**5:34:37**
